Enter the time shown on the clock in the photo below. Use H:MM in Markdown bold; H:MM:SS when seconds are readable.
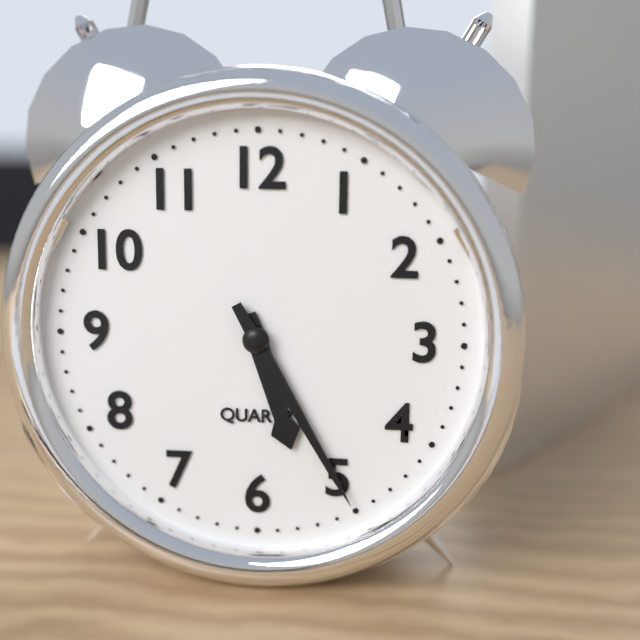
**5:25**
